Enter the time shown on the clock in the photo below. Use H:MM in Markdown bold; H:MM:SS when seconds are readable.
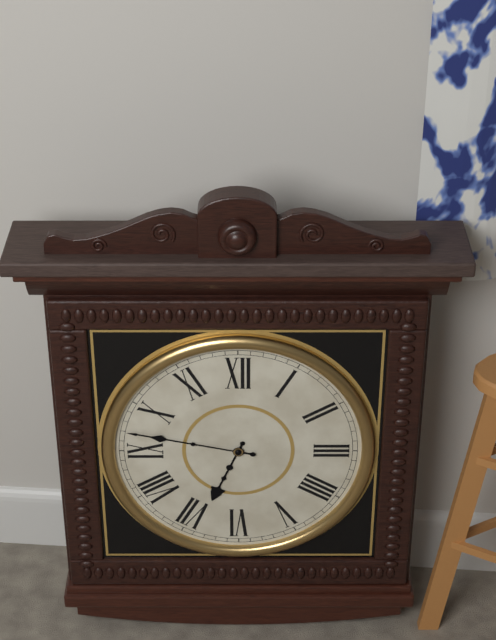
**6:47**
